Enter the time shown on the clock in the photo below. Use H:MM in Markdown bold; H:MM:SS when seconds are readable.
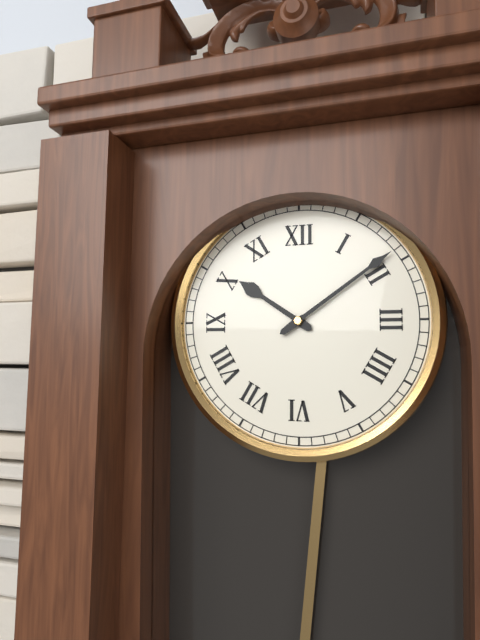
**10:09**
